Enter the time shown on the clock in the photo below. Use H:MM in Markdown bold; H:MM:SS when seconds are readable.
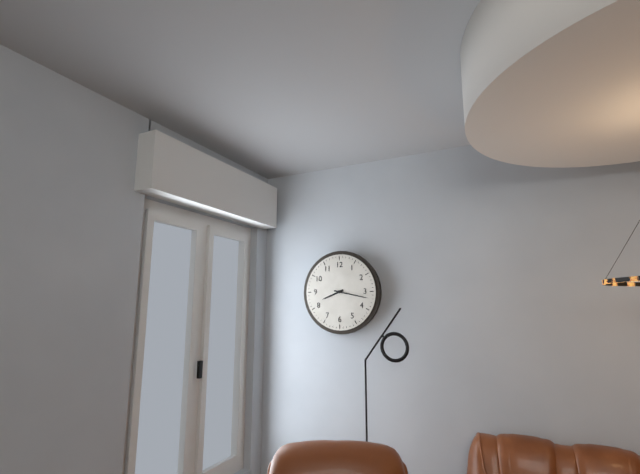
**8:17**
